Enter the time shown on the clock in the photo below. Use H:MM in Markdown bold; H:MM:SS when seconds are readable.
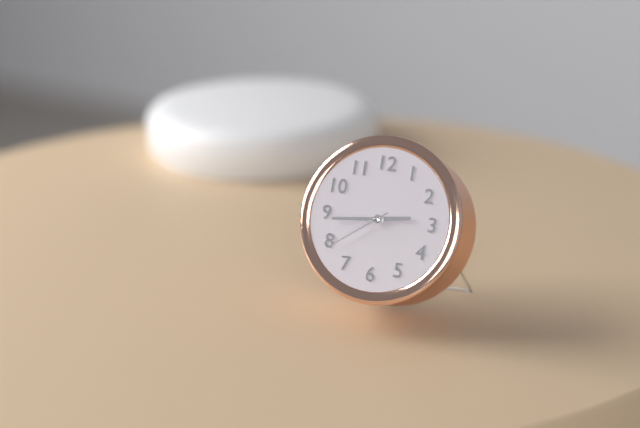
**2:44:39**
